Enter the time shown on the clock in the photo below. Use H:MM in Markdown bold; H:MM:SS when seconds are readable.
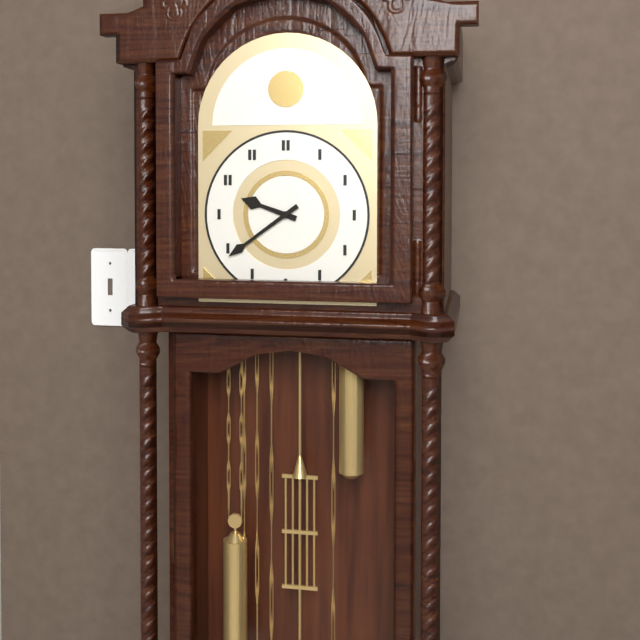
**9:39**
